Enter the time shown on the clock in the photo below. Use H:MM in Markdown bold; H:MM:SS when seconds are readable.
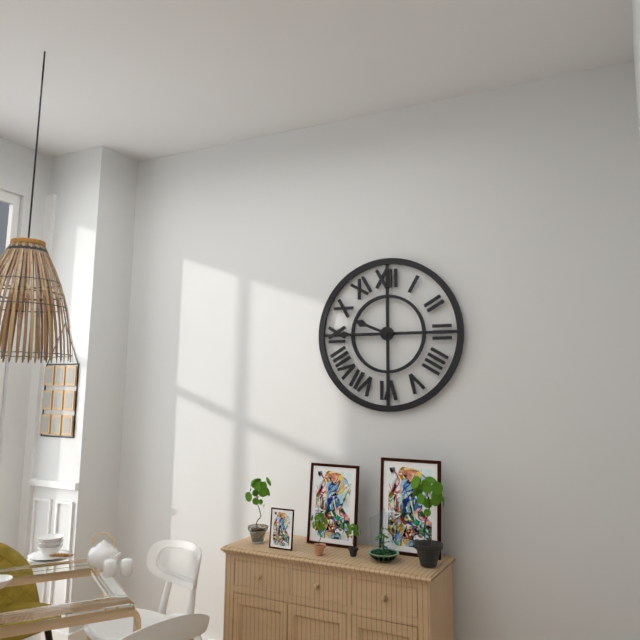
**9:45**
